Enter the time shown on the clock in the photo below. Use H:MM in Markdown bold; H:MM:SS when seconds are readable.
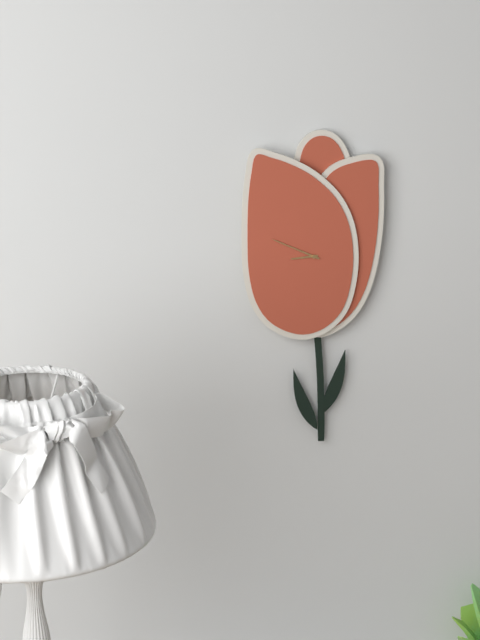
**8:49**
